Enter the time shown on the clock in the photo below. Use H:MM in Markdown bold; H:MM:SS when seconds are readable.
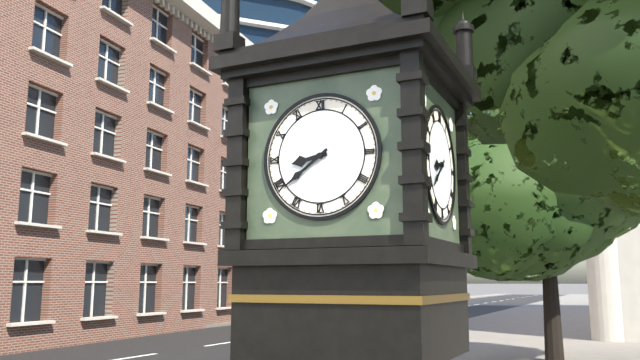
**8:39**
